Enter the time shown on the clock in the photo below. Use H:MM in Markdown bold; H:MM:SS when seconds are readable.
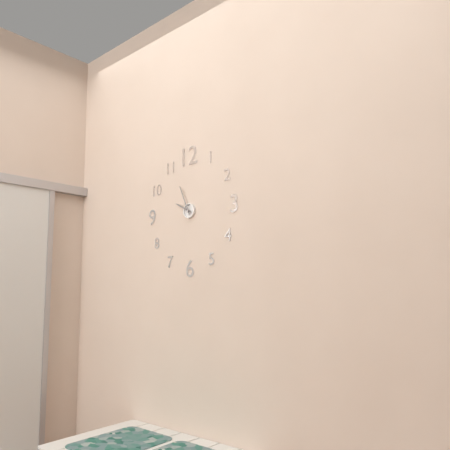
**9:56**
